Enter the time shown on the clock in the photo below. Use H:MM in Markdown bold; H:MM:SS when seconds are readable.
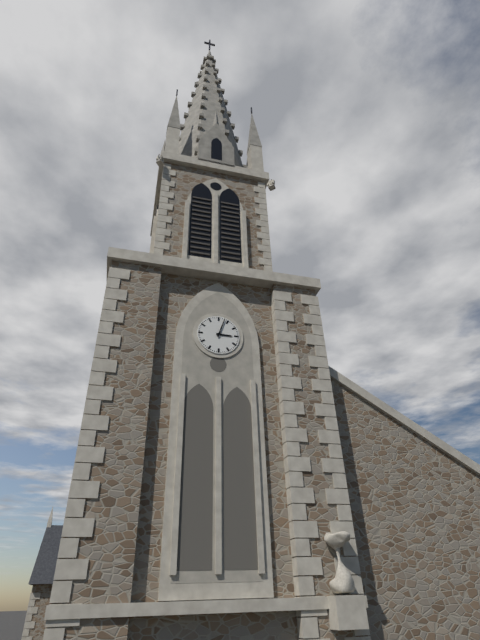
**3:03**
